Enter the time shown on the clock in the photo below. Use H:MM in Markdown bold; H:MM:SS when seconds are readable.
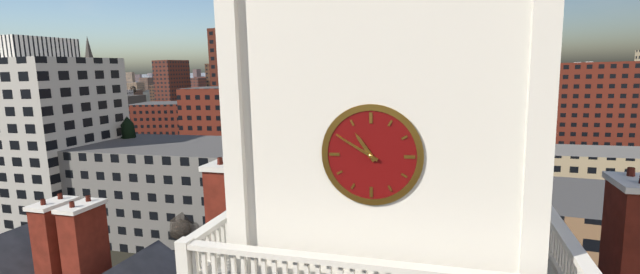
**10:50**
